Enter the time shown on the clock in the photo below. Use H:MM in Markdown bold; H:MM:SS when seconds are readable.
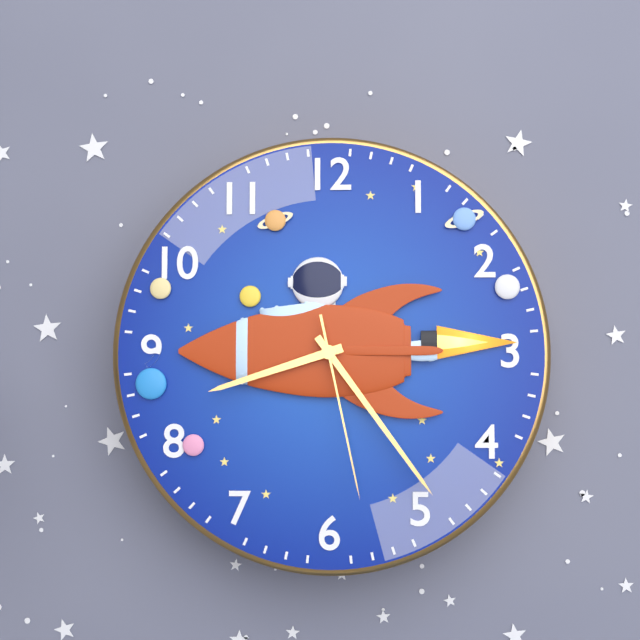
**8:24:28**
